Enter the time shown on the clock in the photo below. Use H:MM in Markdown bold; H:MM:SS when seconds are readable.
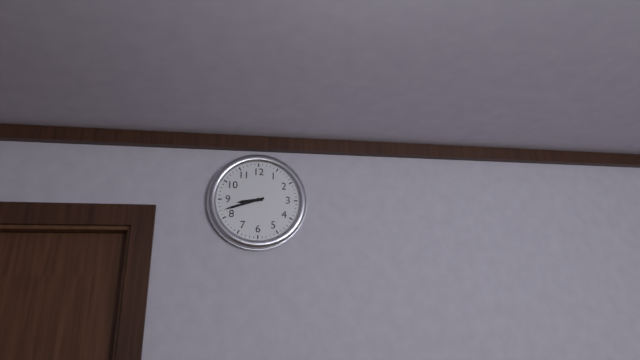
**8:42**
